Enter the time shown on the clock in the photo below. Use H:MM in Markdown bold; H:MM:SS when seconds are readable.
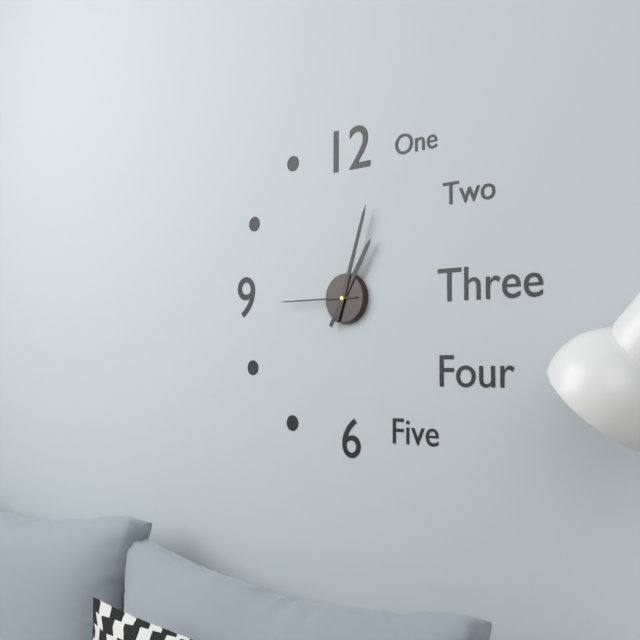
**1:03:45**
